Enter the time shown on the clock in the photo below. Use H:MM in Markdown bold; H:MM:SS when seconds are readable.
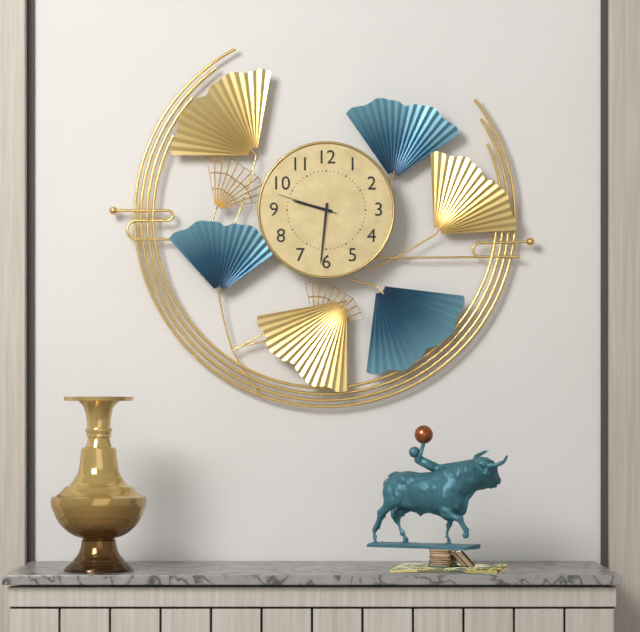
**9:31:48**
